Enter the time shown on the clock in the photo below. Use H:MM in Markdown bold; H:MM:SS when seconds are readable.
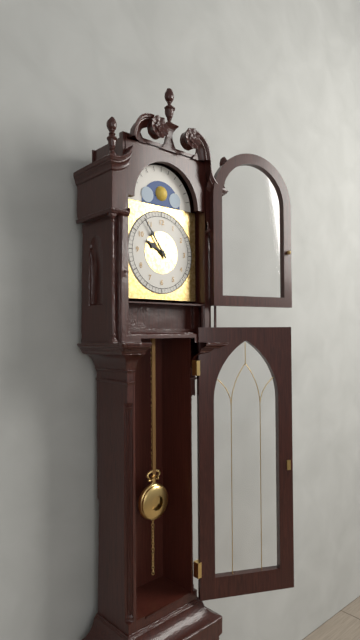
**9:54**
